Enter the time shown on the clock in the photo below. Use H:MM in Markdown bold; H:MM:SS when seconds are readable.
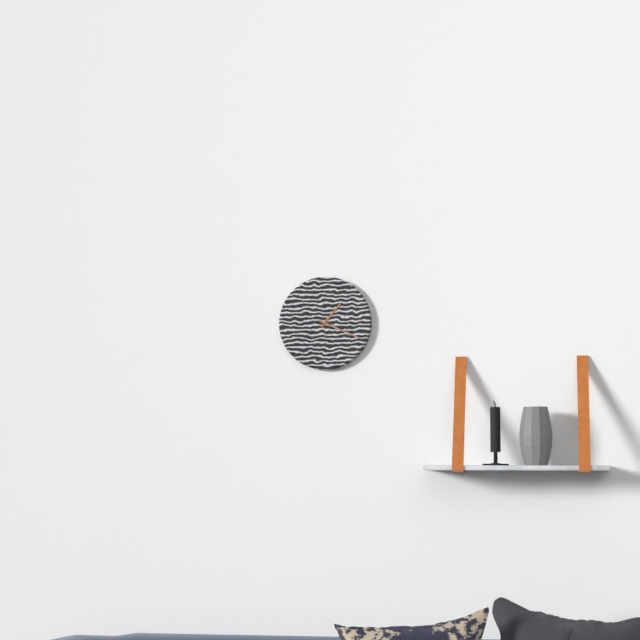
**1:19**
